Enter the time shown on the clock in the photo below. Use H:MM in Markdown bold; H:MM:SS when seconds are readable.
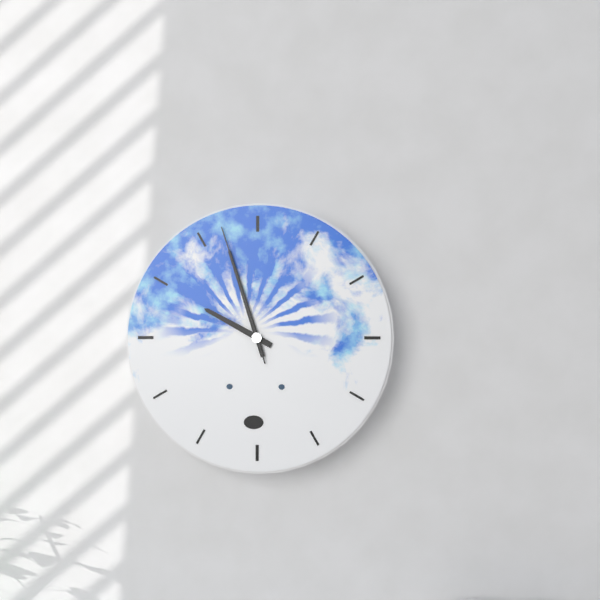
**9:57:57**
